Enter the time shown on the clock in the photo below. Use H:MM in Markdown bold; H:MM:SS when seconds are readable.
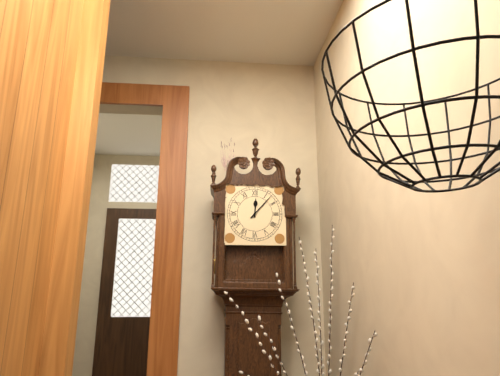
**12:07**
